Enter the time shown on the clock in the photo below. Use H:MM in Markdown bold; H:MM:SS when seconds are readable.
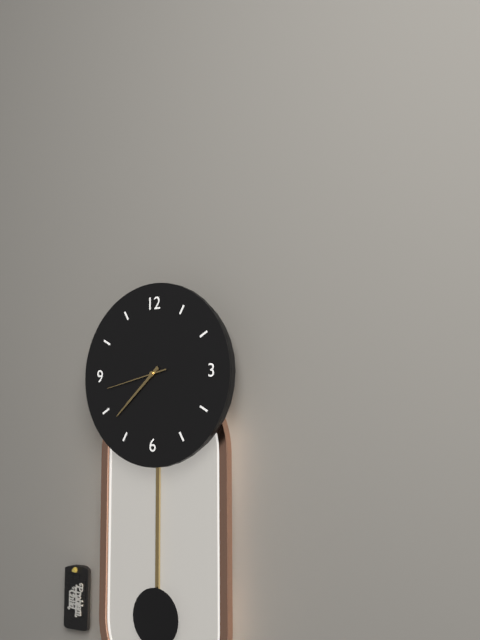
**7:38:43**
